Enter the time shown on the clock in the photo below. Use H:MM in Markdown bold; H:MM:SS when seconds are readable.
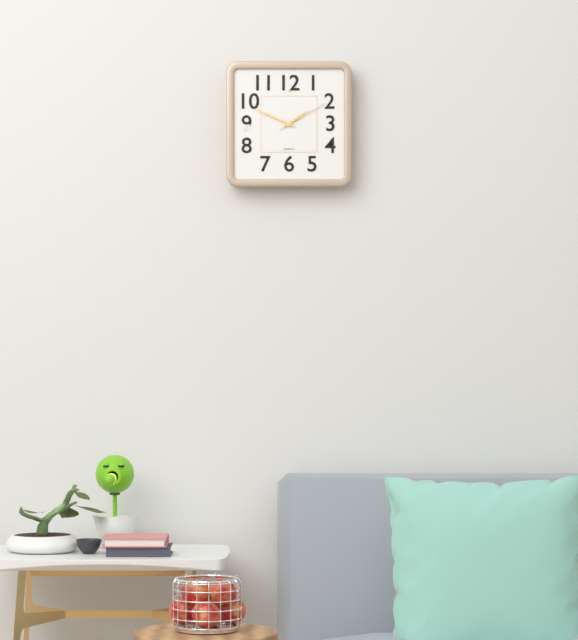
**1:49:10**
